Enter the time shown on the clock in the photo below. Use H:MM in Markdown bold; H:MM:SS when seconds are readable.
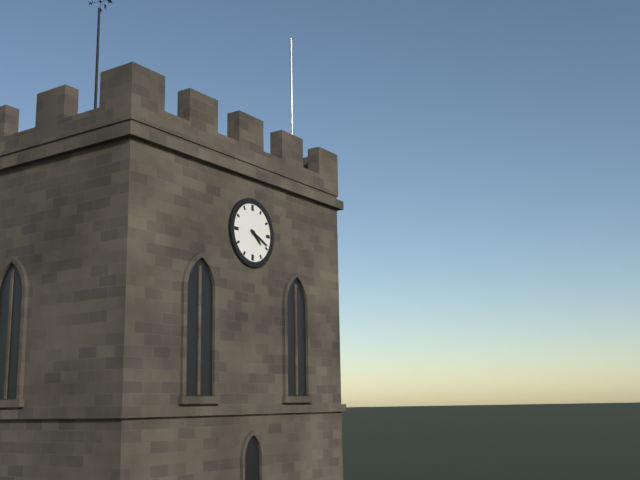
**4:19**
